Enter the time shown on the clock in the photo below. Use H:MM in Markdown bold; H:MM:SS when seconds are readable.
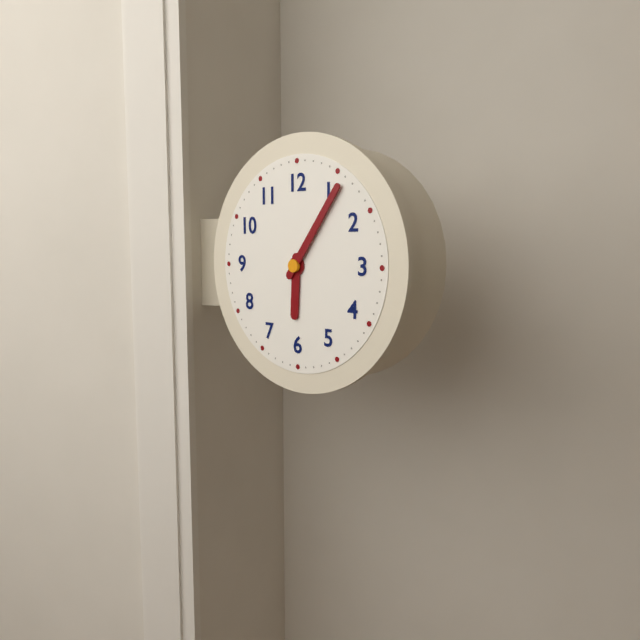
**6:06**
